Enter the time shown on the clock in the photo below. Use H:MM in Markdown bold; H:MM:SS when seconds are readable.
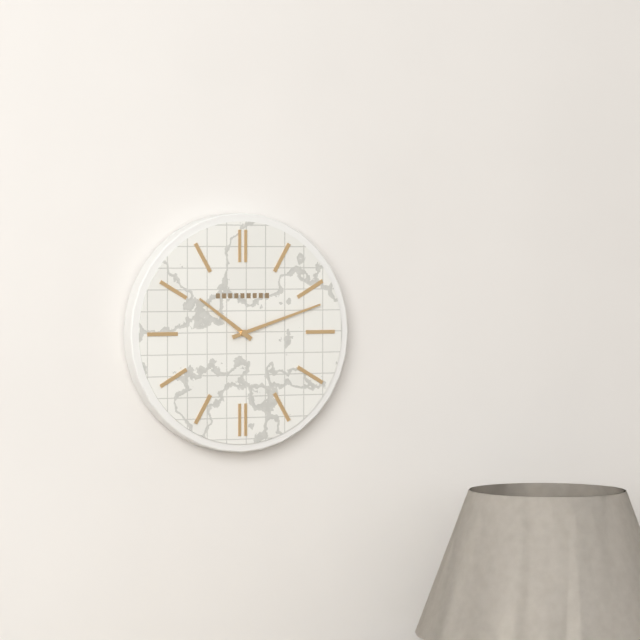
**10:12**
